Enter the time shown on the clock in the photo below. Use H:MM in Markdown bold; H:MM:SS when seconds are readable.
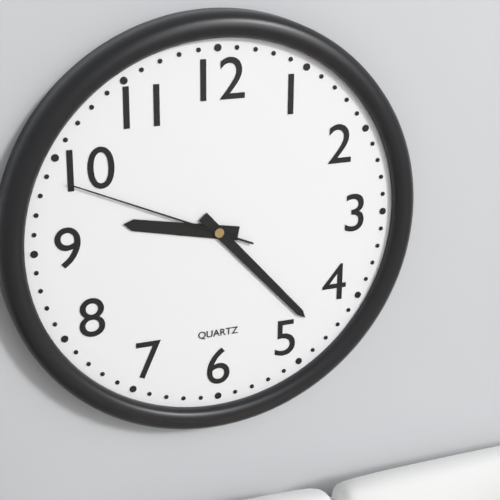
**9:23:49**
